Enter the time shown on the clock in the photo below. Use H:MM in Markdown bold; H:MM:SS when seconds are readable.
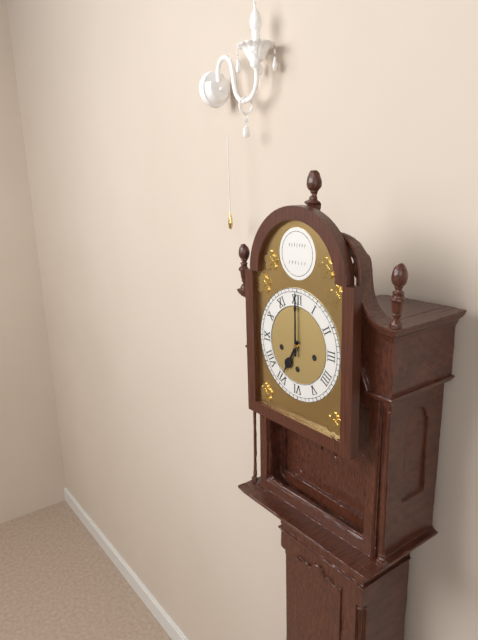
**7:00**
